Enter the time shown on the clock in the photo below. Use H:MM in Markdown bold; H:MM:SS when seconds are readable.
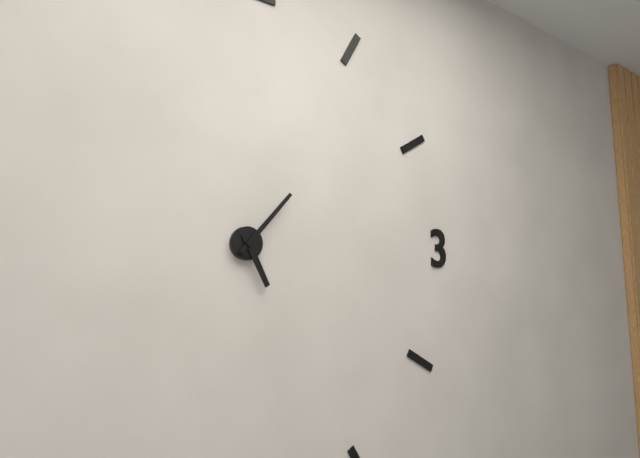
**5:07**
